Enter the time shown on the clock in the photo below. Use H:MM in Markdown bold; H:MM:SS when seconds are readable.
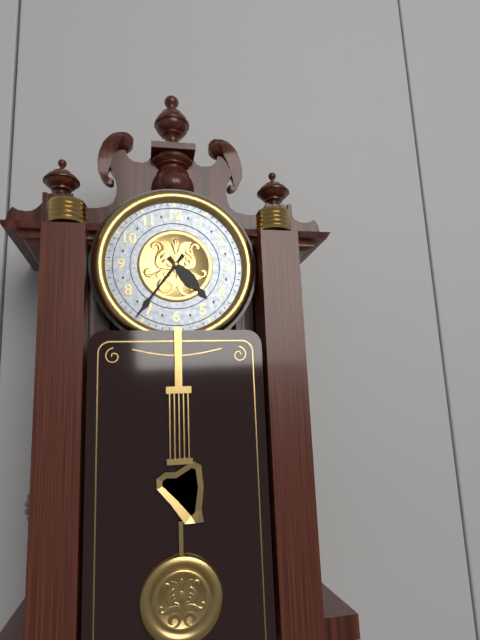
**4:36**
